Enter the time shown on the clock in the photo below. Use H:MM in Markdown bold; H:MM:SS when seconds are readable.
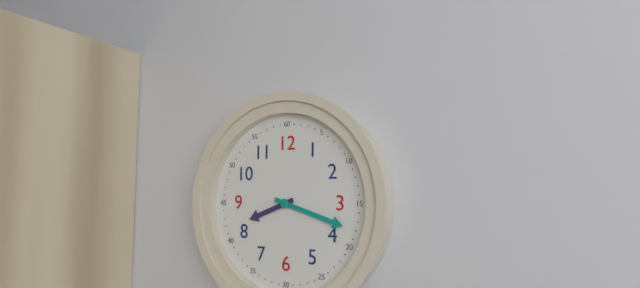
**8:18**
